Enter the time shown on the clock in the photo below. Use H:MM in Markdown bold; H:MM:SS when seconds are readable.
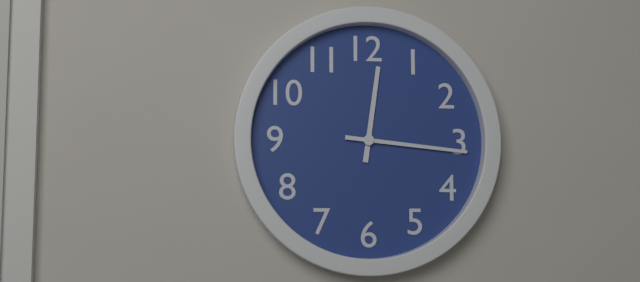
**12:16**
